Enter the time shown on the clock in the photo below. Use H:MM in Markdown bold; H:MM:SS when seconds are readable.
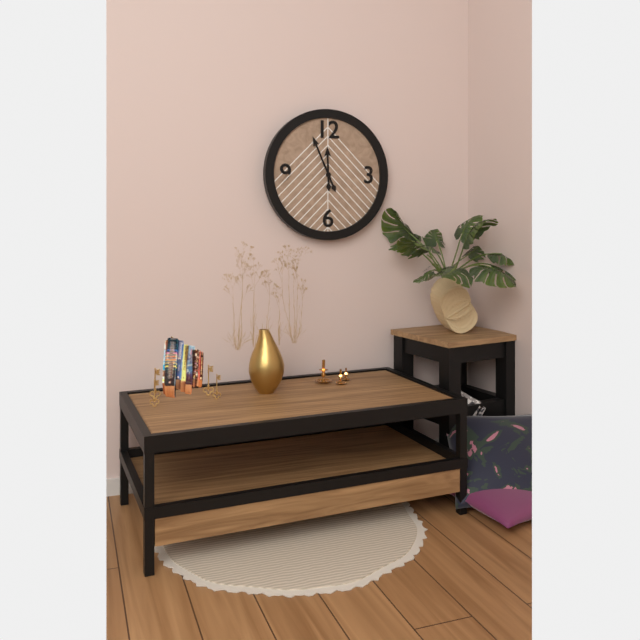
**11:56**
